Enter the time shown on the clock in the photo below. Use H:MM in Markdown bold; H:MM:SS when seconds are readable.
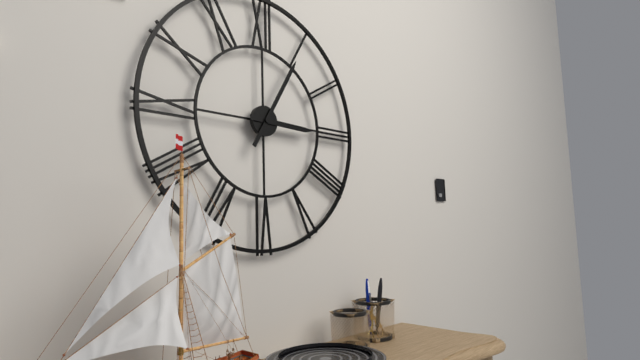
**3:05**
